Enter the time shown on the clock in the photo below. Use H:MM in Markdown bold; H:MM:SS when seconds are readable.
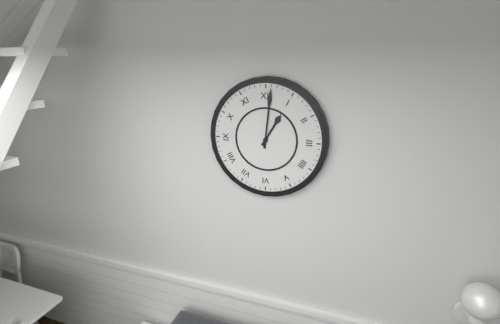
**1:01**
